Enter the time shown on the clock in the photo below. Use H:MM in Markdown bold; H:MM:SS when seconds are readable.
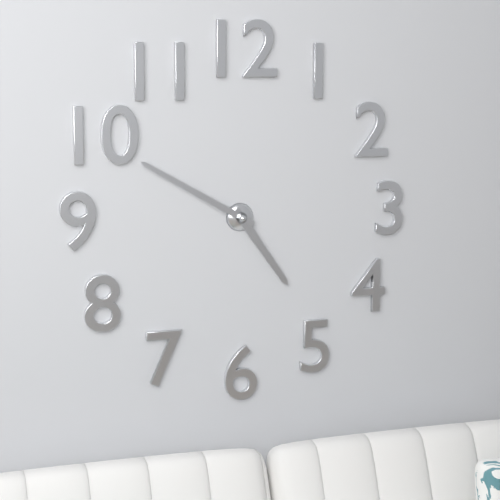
**4:50**
